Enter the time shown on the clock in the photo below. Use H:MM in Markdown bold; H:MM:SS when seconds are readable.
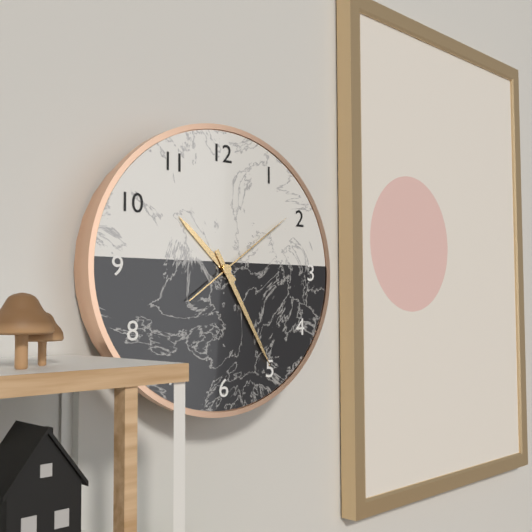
**10:25:09**
